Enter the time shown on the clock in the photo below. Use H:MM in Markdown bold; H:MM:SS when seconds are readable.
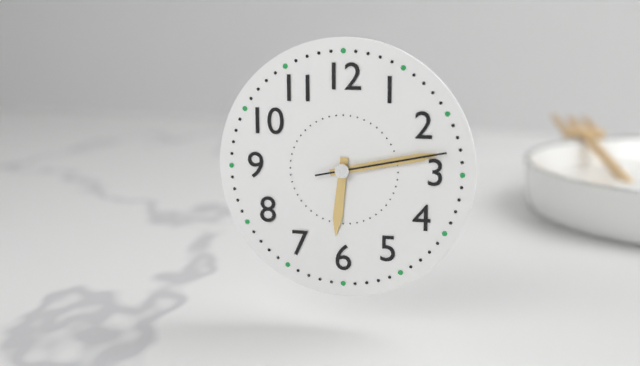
**6:13:13**
